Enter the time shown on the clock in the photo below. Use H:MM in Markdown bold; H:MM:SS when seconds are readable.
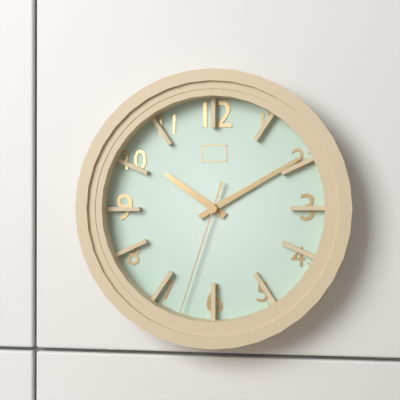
**10:10:33**
